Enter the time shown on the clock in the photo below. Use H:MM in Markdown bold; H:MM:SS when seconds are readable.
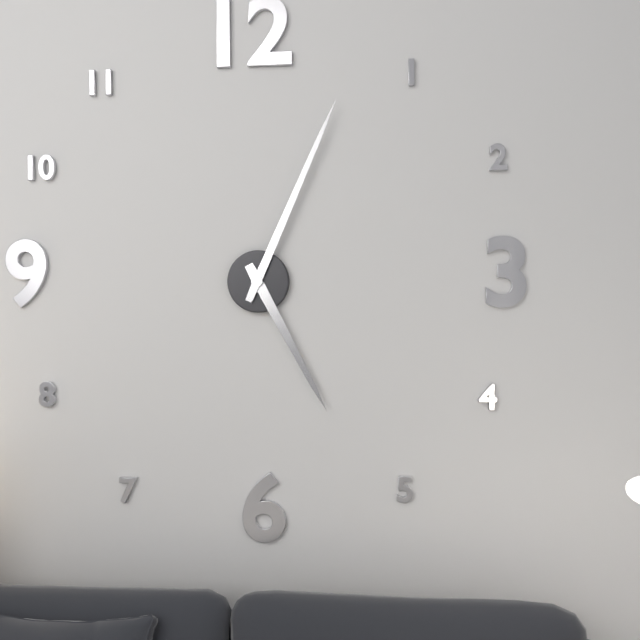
**5:04**
